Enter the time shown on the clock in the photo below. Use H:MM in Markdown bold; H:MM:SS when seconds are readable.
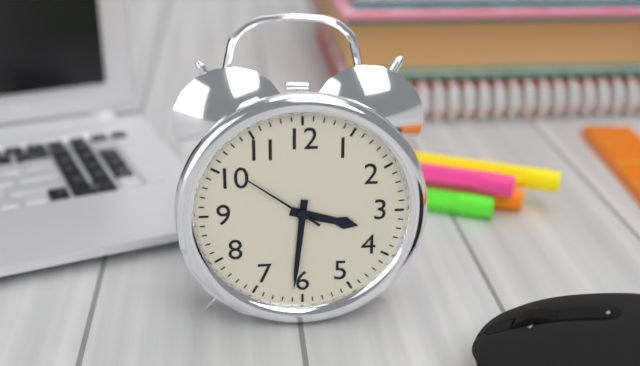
**3:31:51**
